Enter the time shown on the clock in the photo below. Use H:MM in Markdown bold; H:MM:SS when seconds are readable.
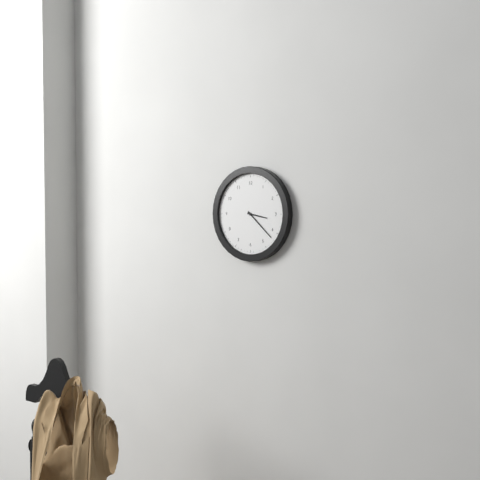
**3:22**
